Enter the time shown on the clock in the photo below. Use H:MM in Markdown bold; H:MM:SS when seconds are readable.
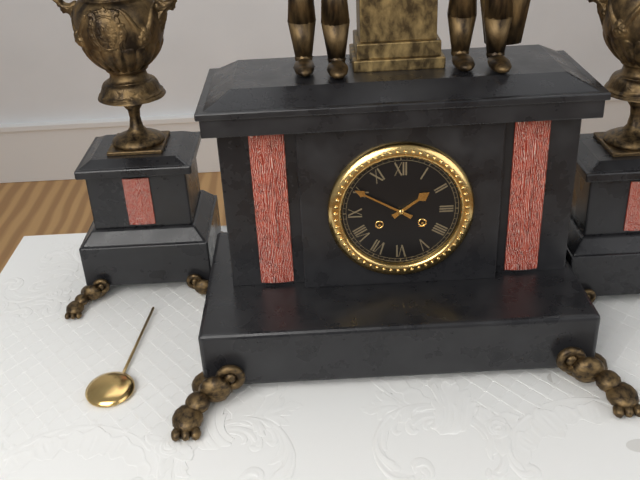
**1:50**
